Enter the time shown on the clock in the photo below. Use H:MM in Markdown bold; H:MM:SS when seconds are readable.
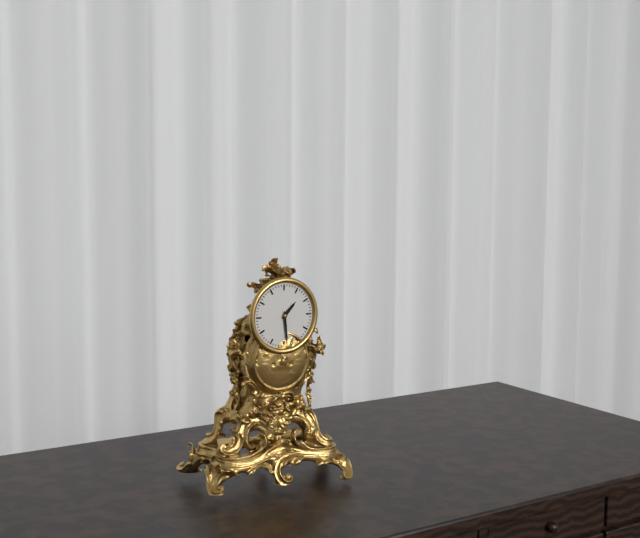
**1:29**
